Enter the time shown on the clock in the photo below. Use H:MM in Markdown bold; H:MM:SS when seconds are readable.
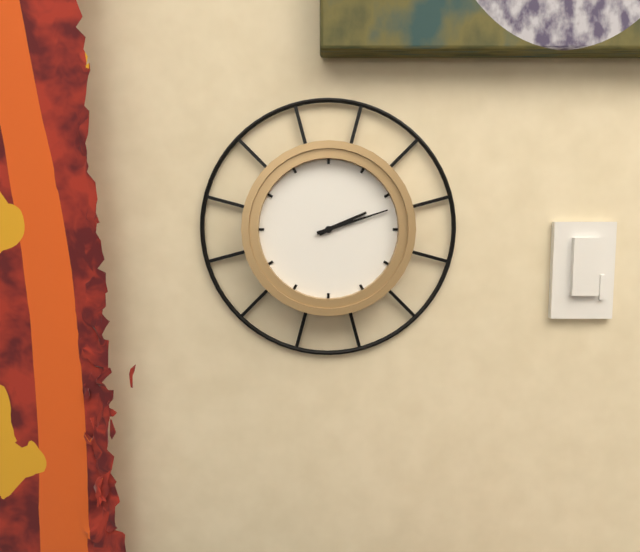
**2:12**
